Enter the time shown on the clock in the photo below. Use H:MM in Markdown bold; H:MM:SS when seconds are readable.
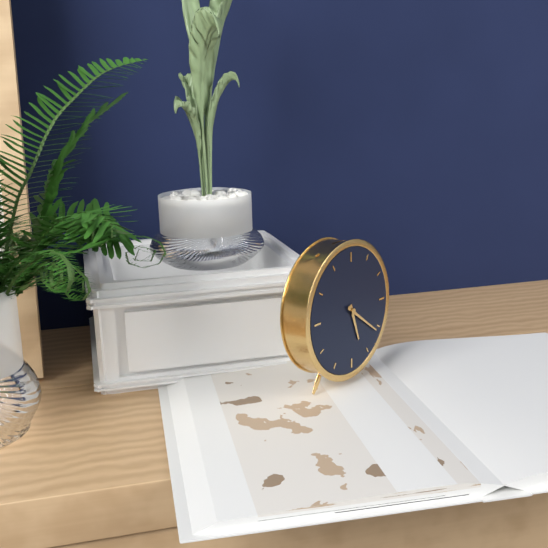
**5:21**
